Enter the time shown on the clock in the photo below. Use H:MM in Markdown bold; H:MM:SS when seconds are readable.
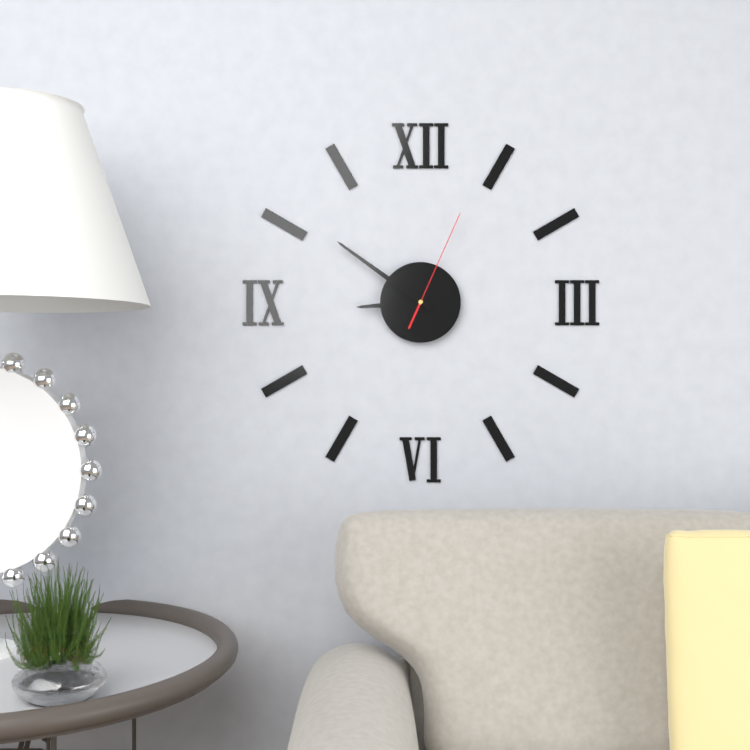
**8:51:04**
